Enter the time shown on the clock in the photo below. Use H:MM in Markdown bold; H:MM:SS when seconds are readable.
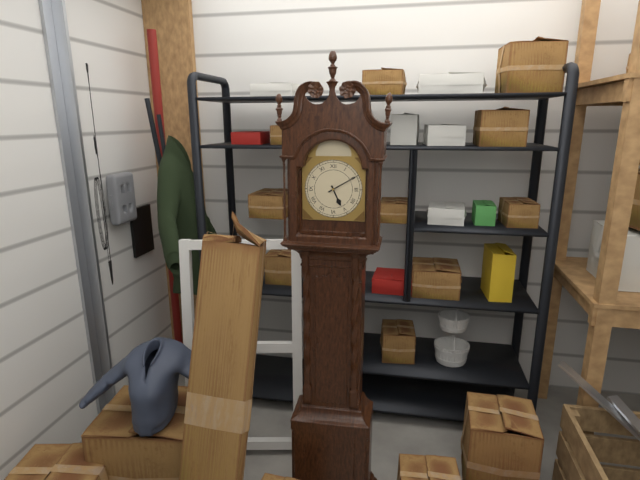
**5:10**
